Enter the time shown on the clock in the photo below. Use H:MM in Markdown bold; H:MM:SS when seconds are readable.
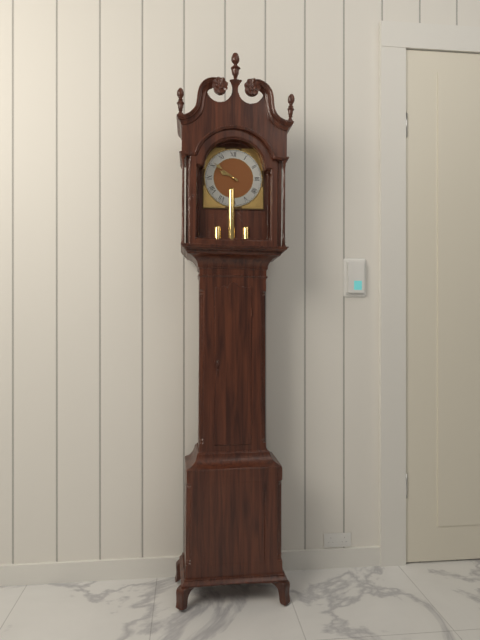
**9:51**
